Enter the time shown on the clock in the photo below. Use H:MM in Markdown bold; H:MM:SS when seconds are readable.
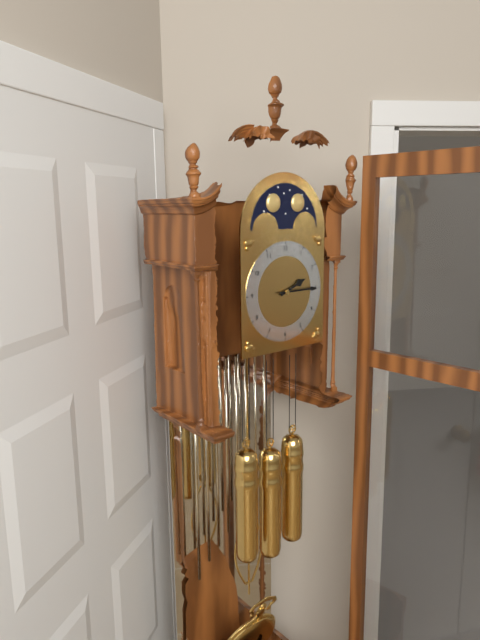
**2:15**
